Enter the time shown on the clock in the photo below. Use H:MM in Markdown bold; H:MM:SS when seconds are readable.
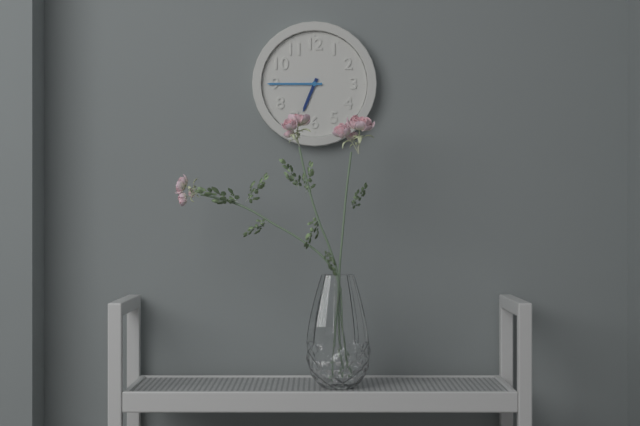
**6:45**
